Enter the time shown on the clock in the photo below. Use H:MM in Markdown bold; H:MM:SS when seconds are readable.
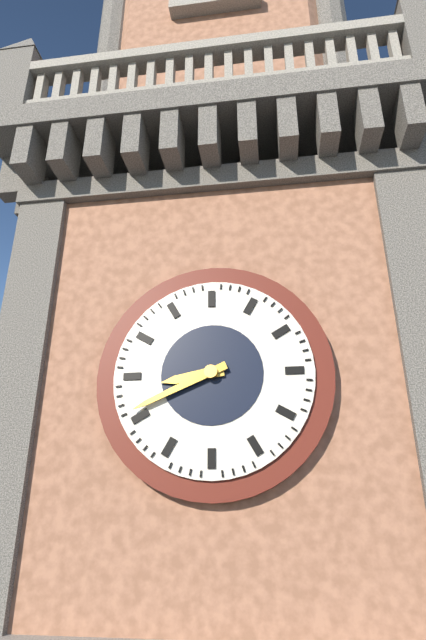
**8:41**
